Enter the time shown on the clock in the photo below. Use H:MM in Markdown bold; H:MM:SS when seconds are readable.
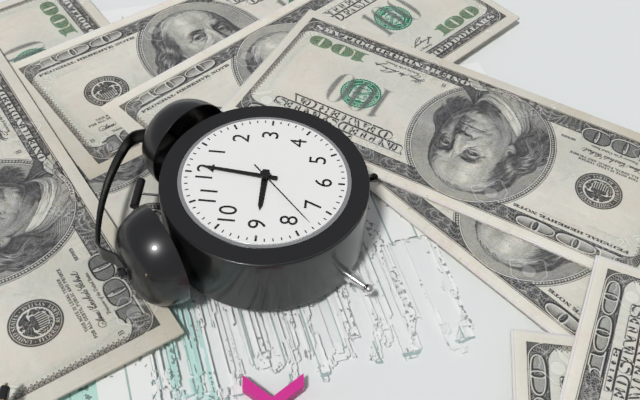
**9:01:38**
